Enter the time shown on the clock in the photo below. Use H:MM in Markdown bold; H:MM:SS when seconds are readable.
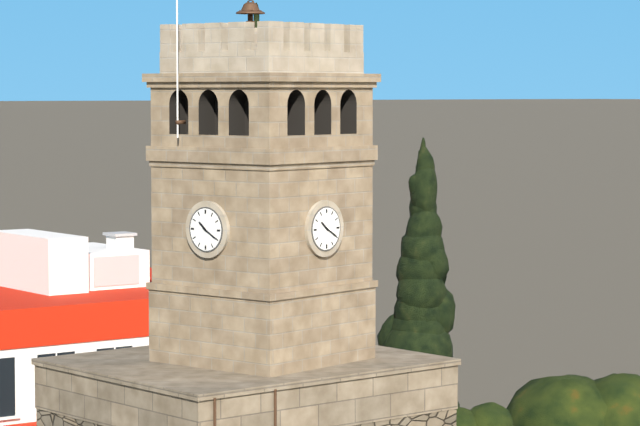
**10:20**
